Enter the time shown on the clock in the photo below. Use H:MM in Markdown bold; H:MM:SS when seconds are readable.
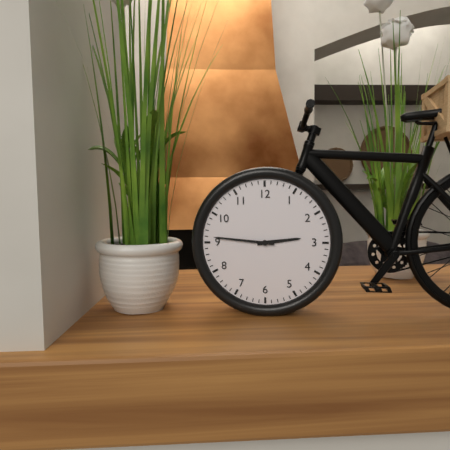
**2:46**
